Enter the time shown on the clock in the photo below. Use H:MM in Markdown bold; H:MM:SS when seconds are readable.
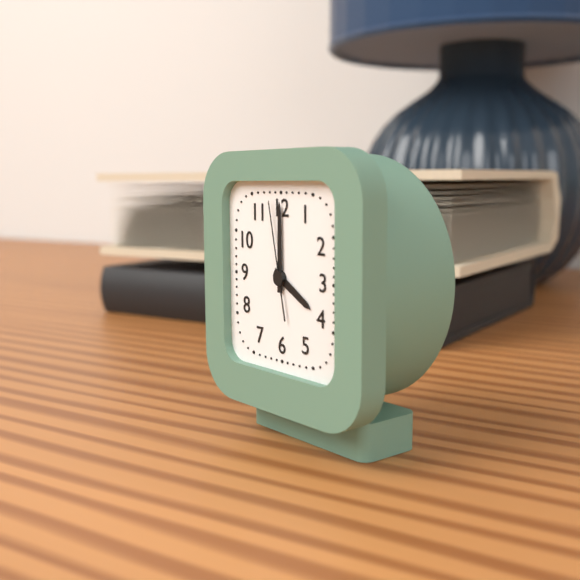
**4:00:58**
